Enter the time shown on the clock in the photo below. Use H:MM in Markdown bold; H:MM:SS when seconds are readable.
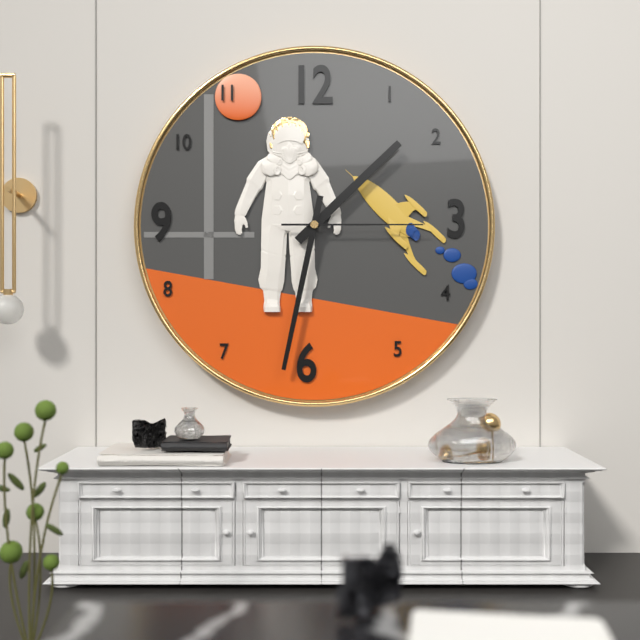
**1:32:15**
